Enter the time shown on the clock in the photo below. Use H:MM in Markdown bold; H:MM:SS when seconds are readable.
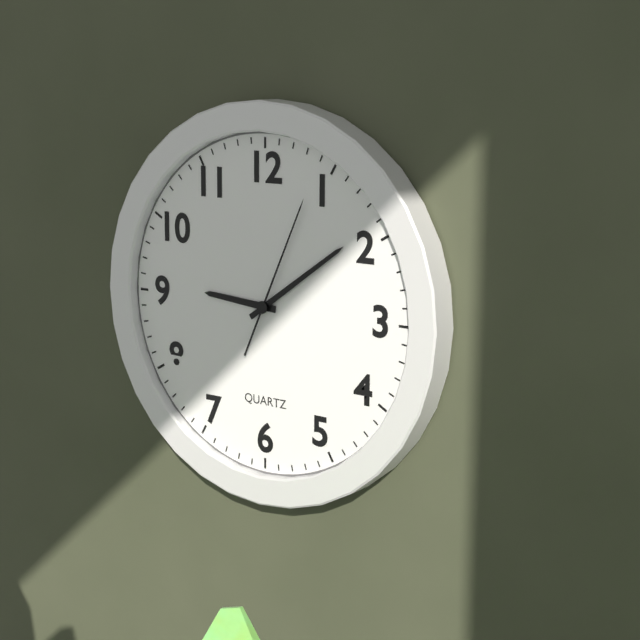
**9:09:04**
